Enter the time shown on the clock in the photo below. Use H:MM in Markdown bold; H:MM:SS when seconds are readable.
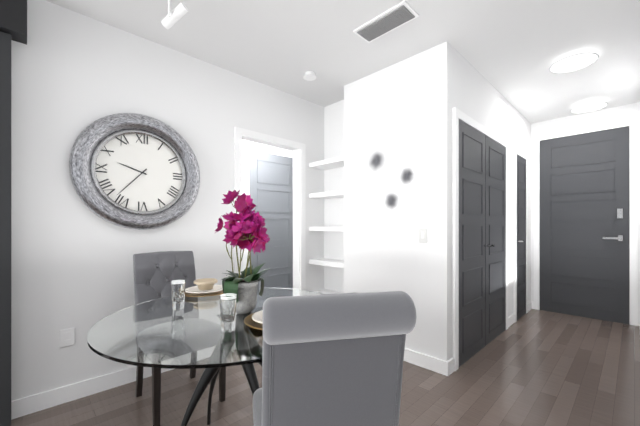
**9:37**
